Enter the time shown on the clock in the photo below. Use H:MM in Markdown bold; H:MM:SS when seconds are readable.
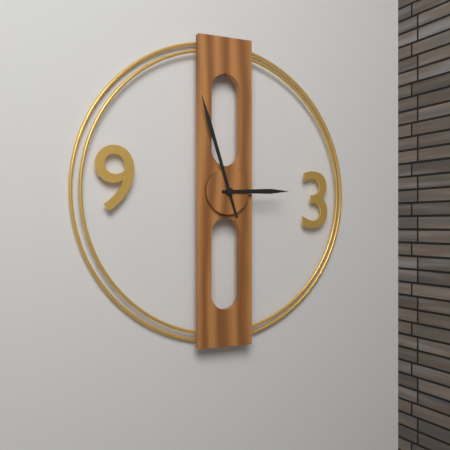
**2:57**
